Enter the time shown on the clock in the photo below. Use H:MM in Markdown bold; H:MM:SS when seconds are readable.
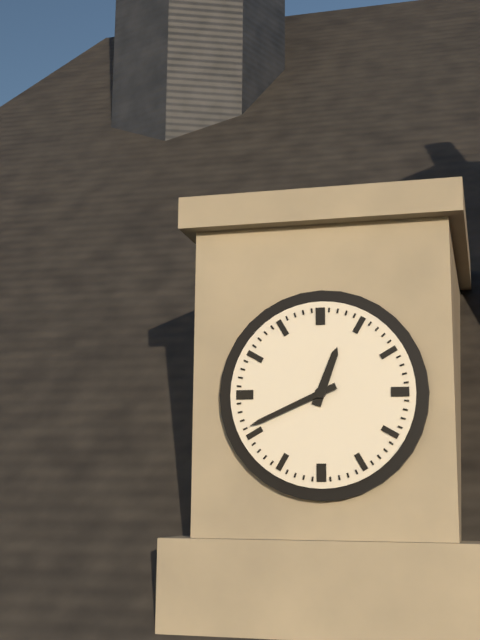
**12:41**
